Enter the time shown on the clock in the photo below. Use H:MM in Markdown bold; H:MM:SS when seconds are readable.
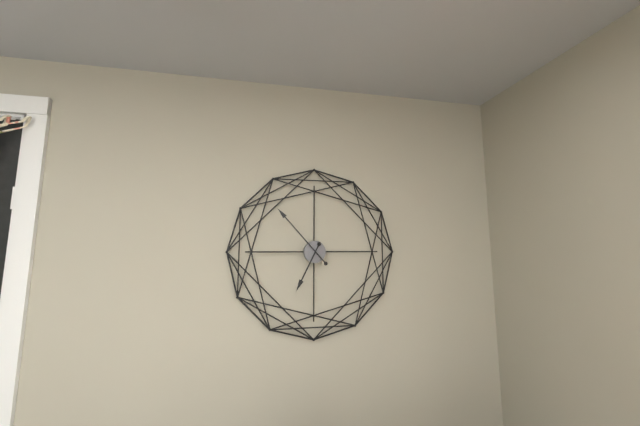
**6:53**
